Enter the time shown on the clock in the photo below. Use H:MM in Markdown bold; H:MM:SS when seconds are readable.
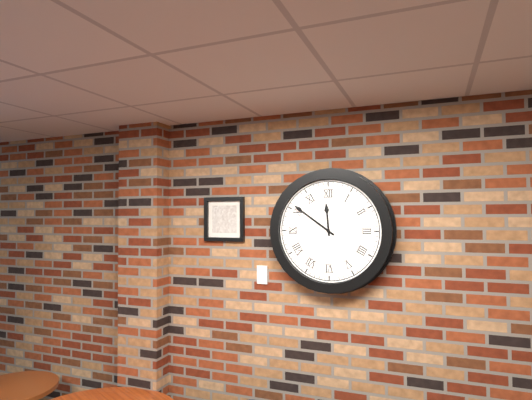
**11:51**
